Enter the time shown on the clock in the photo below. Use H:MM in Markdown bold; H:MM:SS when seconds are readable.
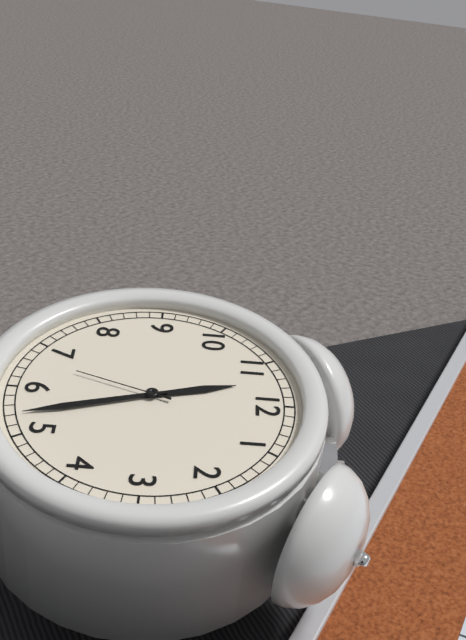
**11:27:33**
